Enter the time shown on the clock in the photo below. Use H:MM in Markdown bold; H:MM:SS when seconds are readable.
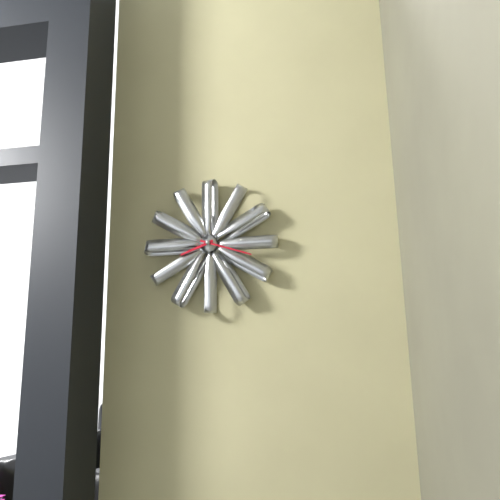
**8:18**
